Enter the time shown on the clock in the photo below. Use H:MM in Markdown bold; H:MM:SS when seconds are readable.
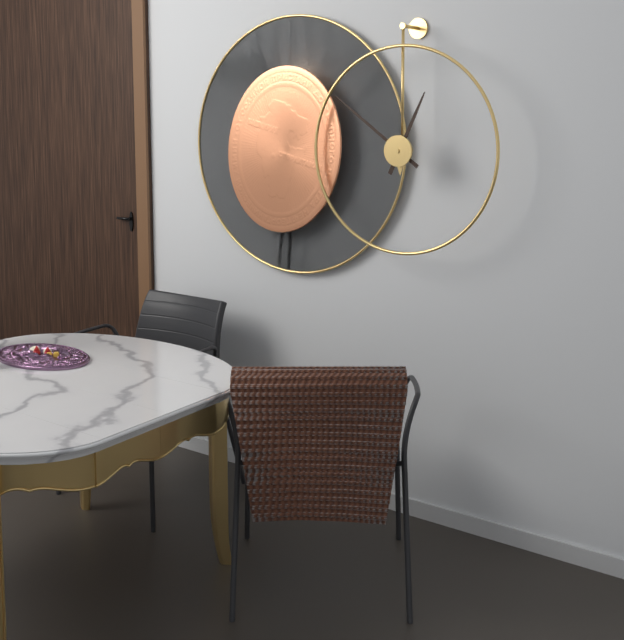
**12:51**
